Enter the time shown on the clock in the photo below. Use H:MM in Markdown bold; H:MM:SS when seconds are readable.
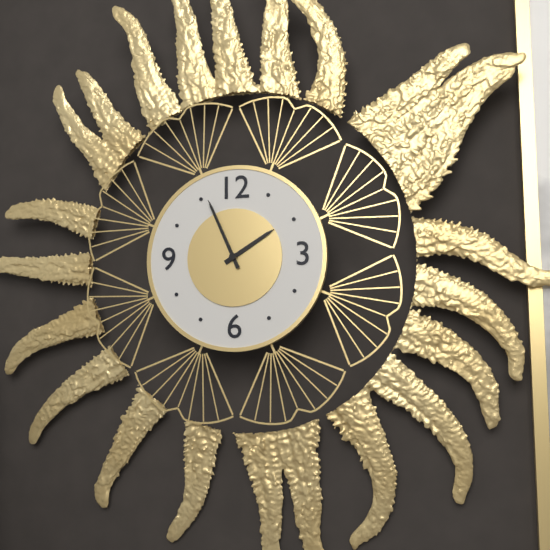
**1:56**
